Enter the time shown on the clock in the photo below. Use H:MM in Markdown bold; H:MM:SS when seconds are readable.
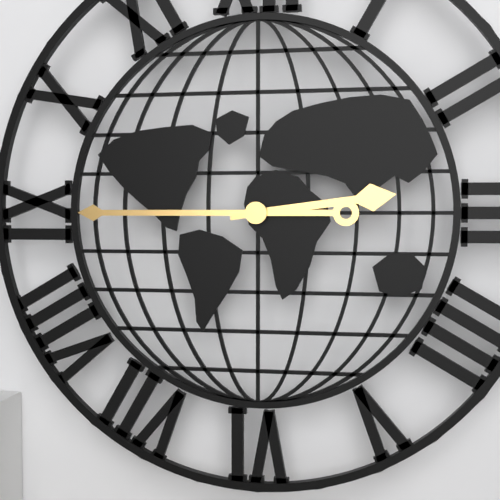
**2:45**
